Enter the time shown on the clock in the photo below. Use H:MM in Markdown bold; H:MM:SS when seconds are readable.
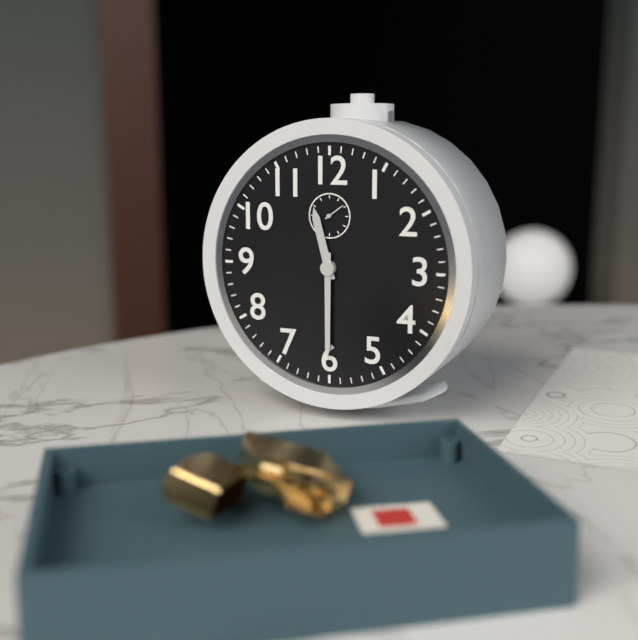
**11:30**
